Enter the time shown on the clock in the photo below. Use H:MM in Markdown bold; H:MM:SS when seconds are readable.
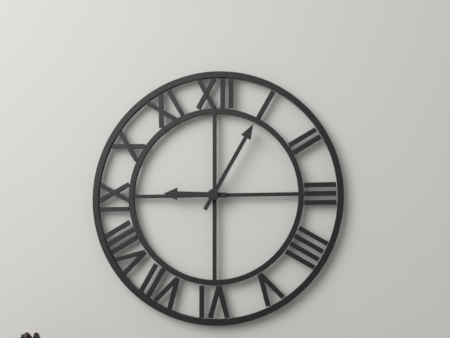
**9:05**
